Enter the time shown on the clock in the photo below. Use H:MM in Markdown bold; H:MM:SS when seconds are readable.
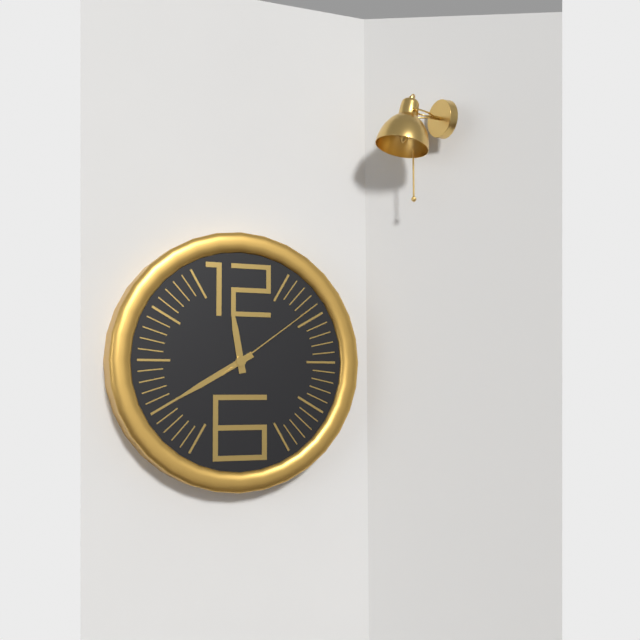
**11:40:09**
